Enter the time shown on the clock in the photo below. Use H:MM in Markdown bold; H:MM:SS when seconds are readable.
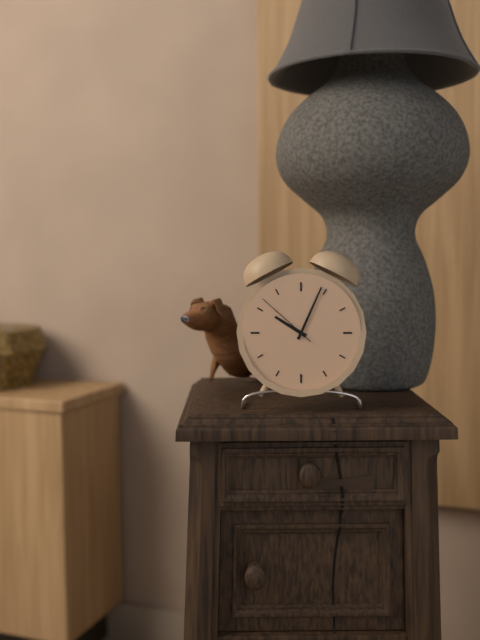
**10:04:52**
